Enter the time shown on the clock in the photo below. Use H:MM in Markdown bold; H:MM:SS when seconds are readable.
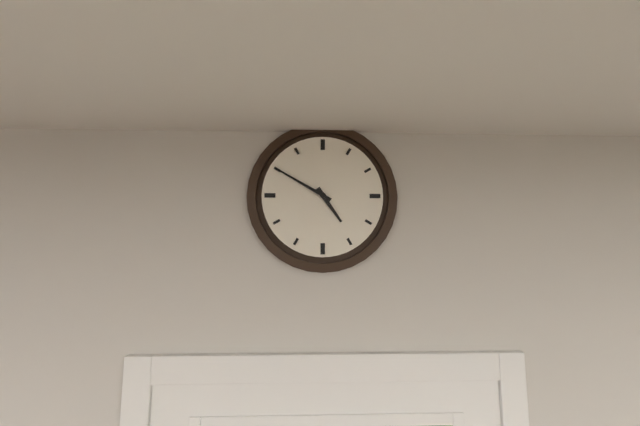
**4:50**
